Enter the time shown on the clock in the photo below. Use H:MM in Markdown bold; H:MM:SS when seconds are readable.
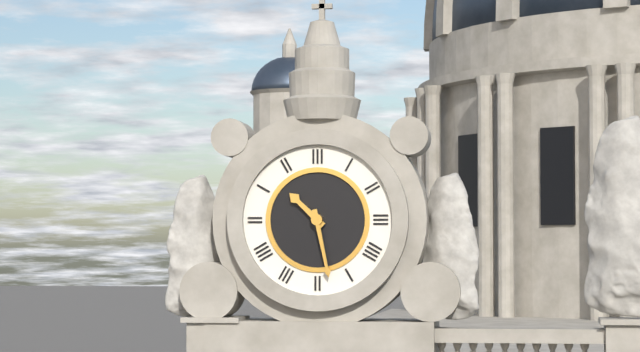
**10:28**
